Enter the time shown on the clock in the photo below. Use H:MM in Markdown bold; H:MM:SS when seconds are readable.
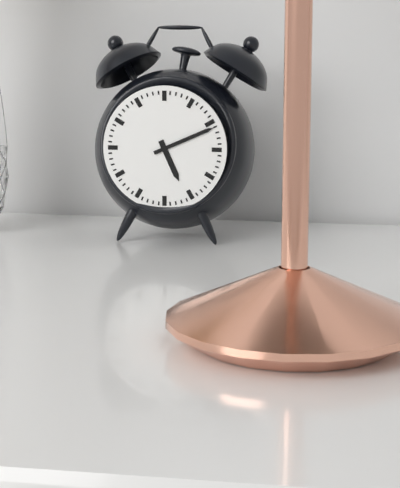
**5:11**
